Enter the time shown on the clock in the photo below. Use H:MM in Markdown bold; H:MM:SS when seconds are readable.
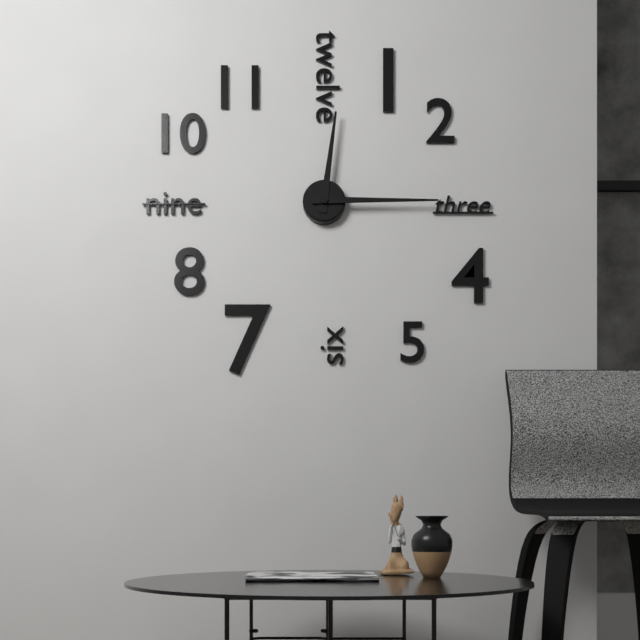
**12:15**
